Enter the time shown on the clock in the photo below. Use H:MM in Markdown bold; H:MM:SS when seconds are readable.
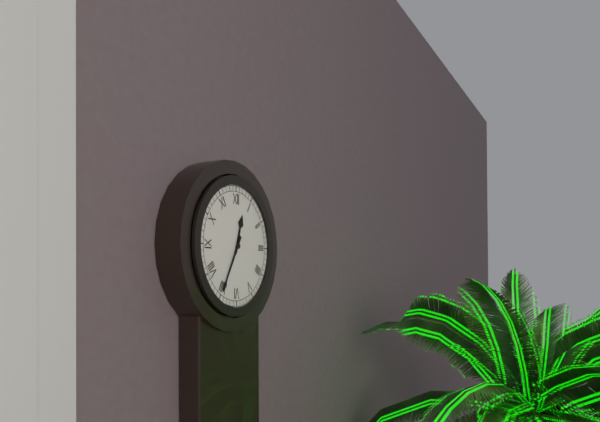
**12:35**
